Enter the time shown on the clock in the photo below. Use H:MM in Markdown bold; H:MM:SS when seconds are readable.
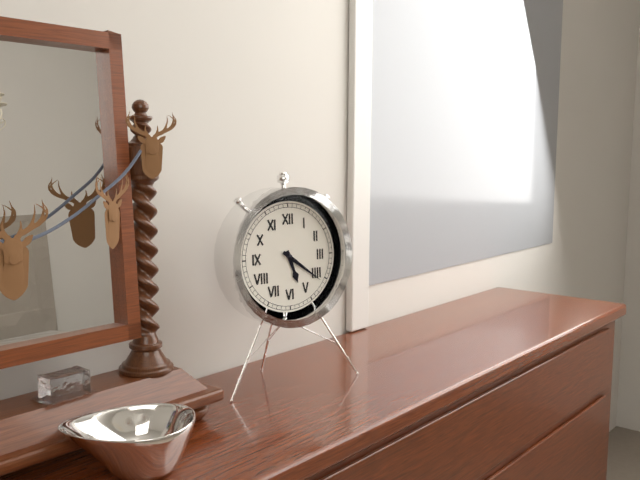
**5:21**
